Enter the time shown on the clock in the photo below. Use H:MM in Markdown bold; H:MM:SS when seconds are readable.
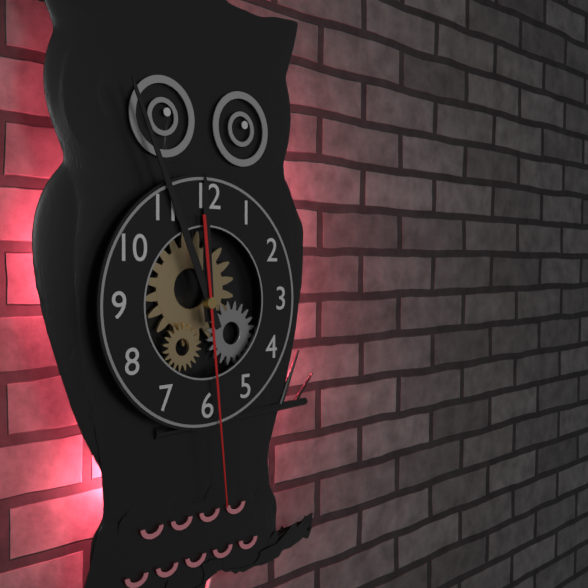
**11:56:29**
